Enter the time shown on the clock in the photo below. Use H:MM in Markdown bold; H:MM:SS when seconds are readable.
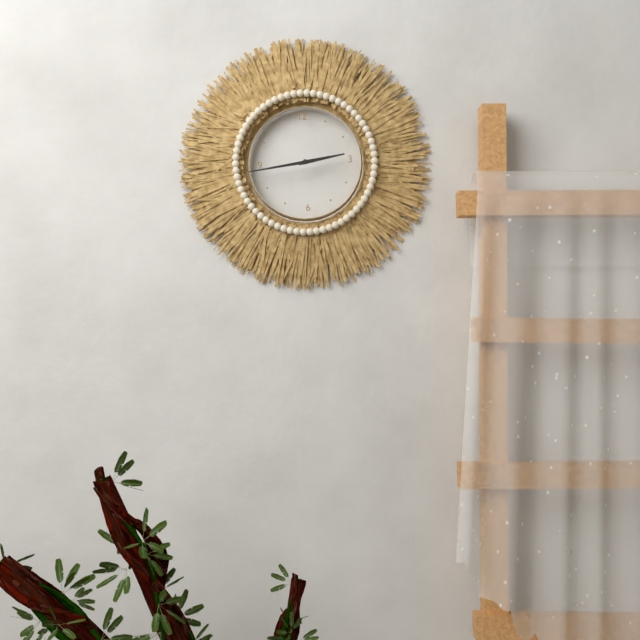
**2:44**
